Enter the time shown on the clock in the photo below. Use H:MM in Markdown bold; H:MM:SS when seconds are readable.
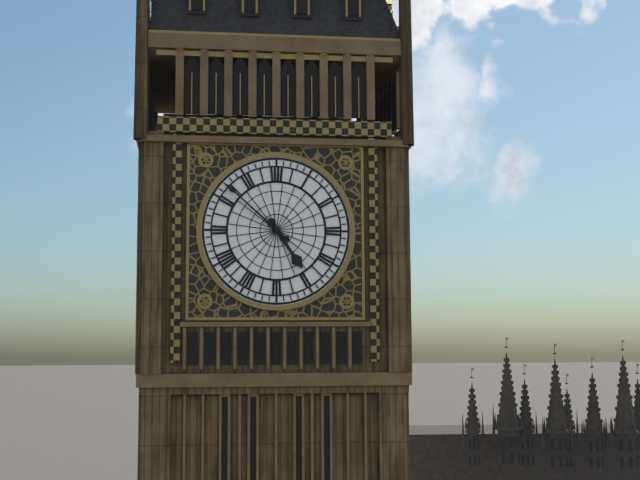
**4:52**
